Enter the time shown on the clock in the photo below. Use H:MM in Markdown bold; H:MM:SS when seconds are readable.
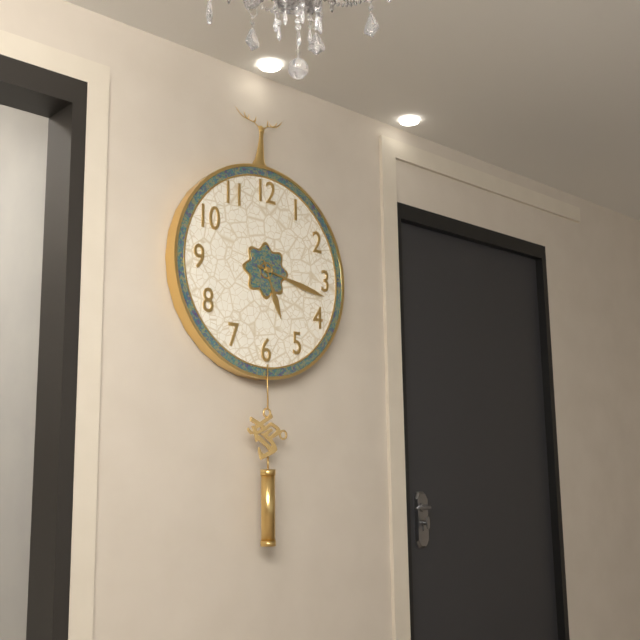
**5:17**
